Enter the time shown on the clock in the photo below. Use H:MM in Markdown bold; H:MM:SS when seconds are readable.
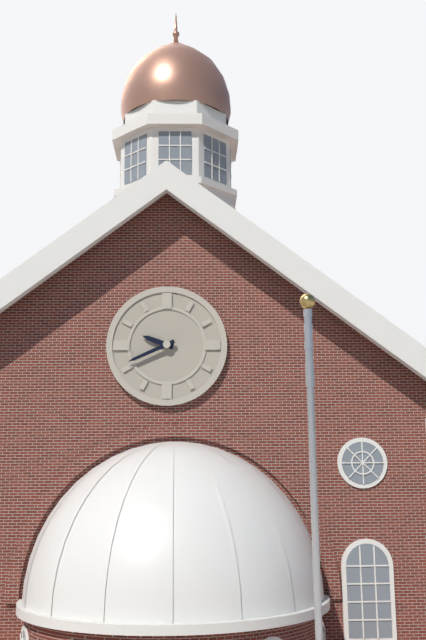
**9:41**
